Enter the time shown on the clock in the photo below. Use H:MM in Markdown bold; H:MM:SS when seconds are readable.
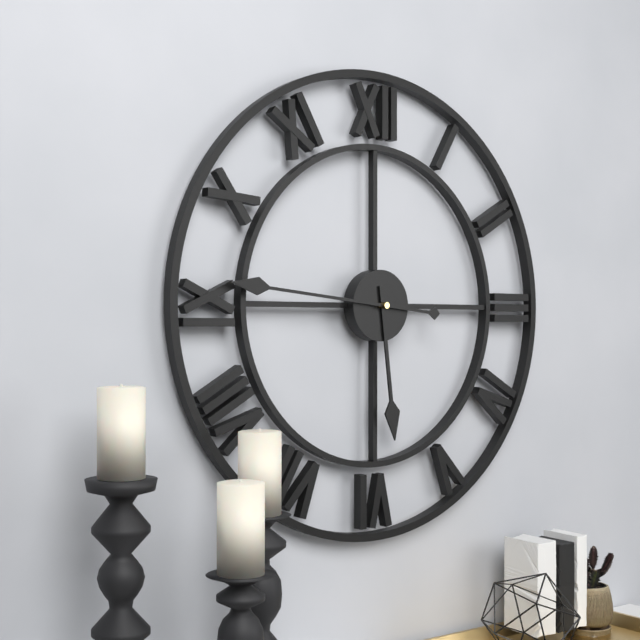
**5:46**
